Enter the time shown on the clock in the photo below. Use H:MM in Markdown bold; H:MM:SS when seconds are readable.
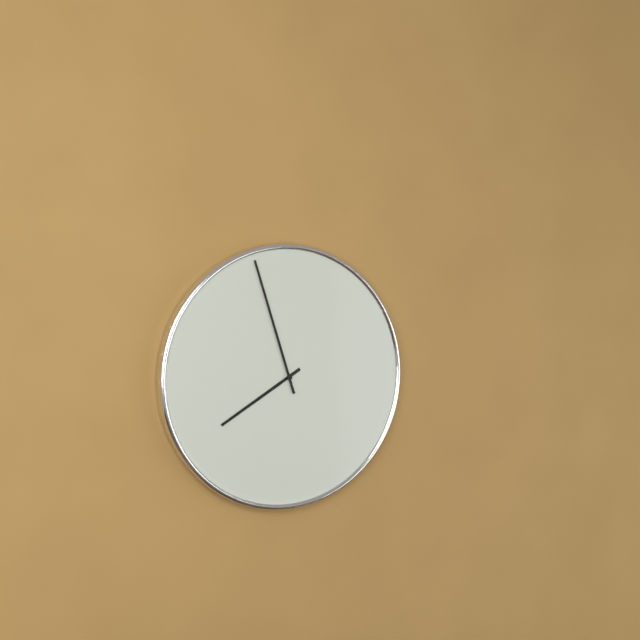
**7:57**
